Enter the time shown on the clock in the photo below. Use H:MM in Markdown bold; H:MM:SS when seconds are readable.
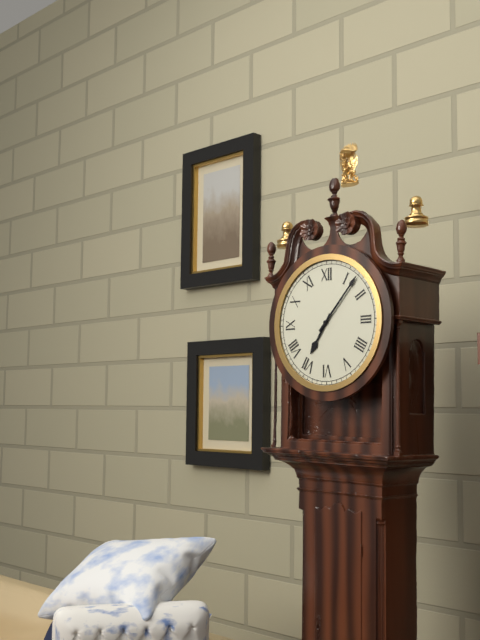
**7:07**
